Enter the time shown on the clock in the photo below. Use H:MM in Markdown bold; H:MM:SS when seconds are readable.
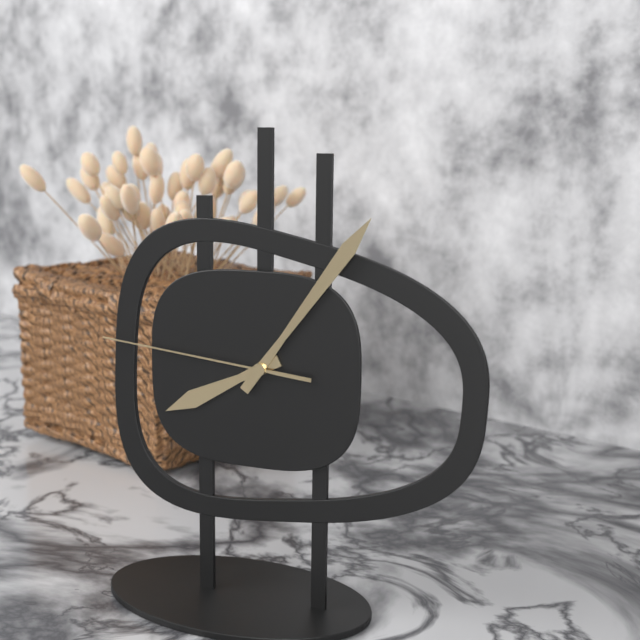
**8:06:46**
